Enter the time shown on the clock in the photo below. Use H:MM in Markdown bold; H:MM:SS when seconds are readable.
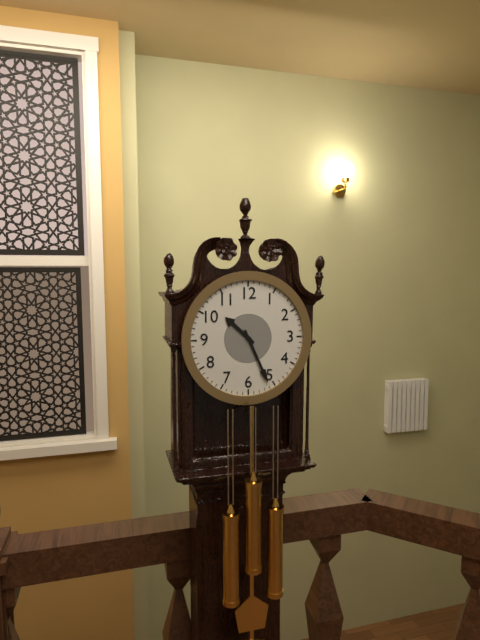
**10:26**
